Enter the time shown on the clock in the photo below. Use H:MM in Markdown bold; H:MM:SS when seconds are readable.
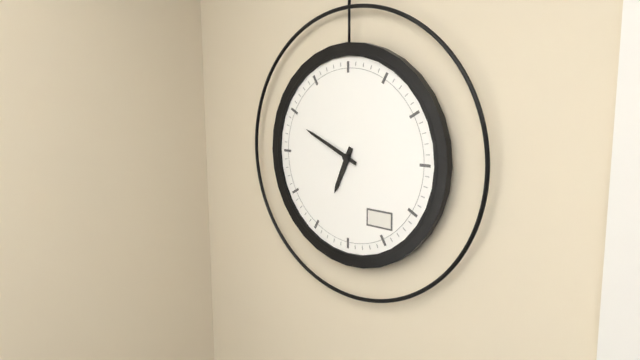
**6:49**
